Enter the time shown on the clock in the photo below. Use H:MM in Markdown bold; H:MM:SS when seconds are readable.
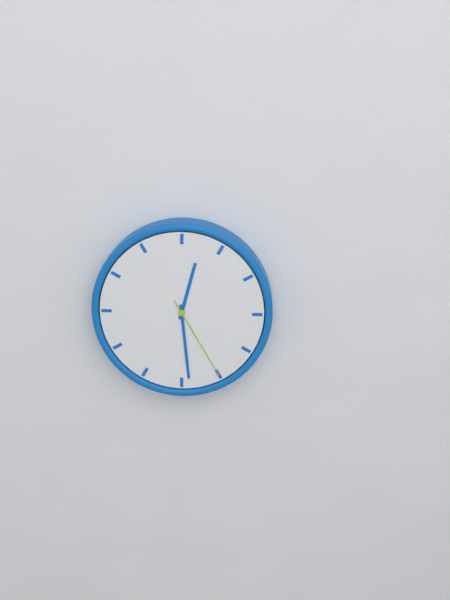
**12:29:25**
